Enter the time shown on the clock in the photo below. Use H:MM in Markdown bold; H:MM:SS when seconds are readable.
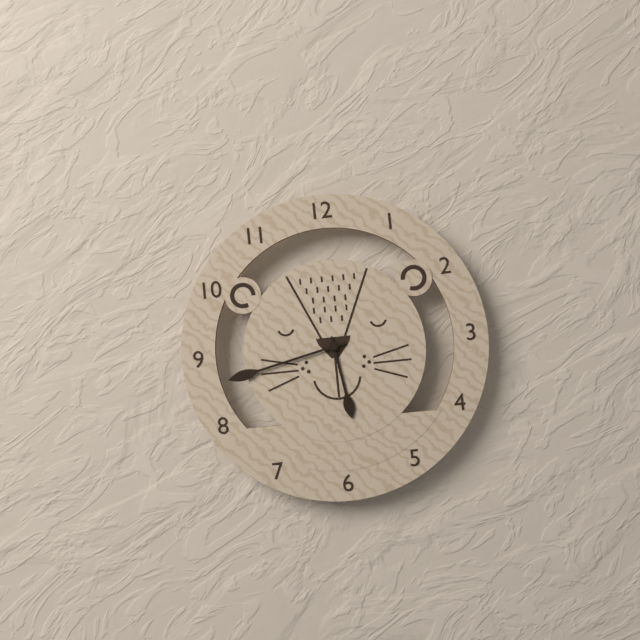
**5:43**
